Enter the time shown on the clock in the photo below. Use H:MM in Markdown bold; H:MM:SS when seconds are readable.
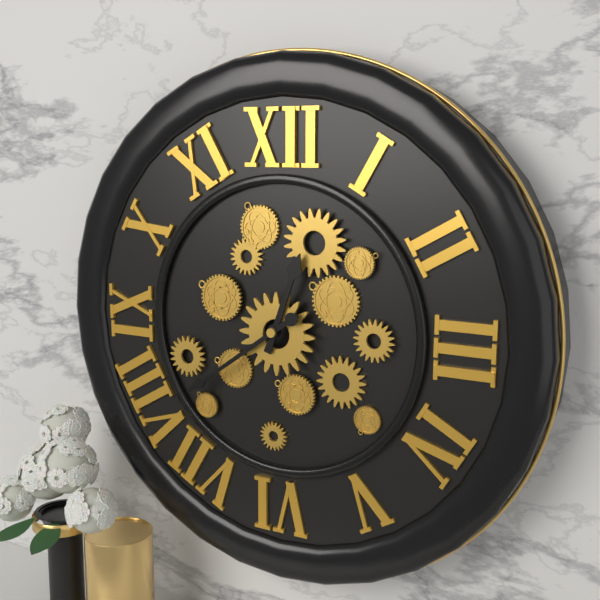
**12:39**
